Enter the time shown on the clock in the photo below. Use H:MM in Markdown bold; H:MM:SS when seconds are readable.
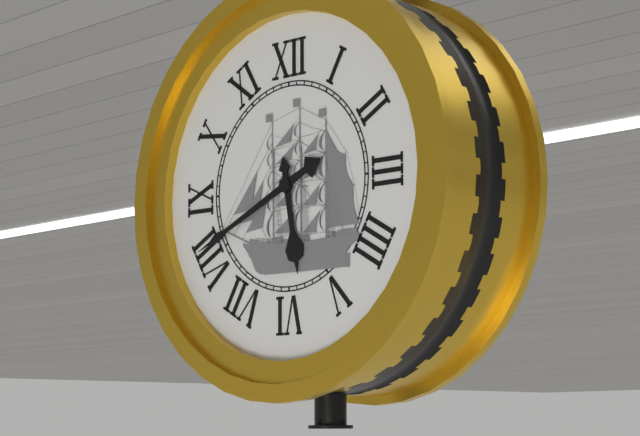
**5:41**
